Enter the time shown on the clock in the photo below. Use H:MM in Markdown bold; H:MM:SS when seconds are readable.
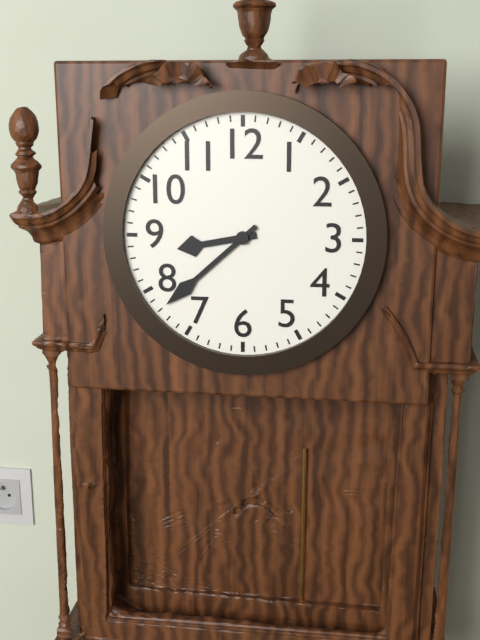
**8:38**
